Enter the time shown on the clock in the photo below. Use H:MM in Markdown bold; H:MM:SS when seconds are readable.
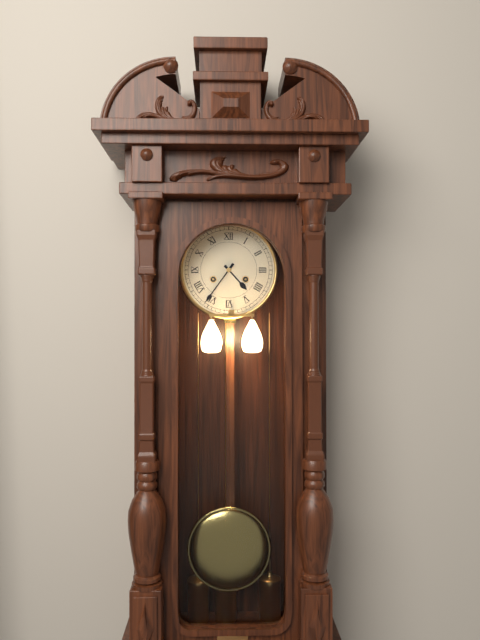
**4:36**
